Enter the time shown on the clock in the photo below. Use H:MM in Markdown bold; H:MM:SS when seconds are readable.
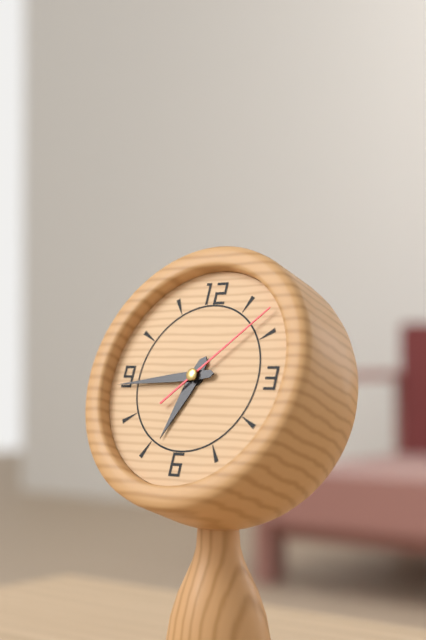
**6:44:08**
